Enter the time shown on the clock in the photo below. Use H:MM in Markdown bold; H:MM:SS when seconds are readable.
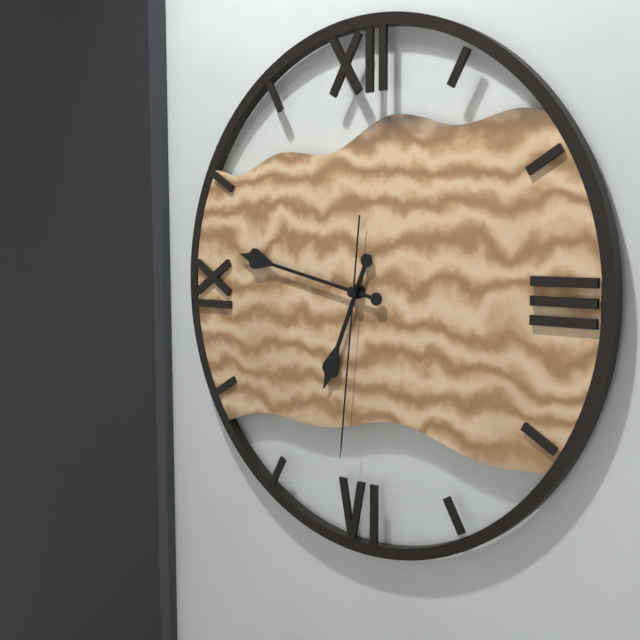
**6:47:31**
